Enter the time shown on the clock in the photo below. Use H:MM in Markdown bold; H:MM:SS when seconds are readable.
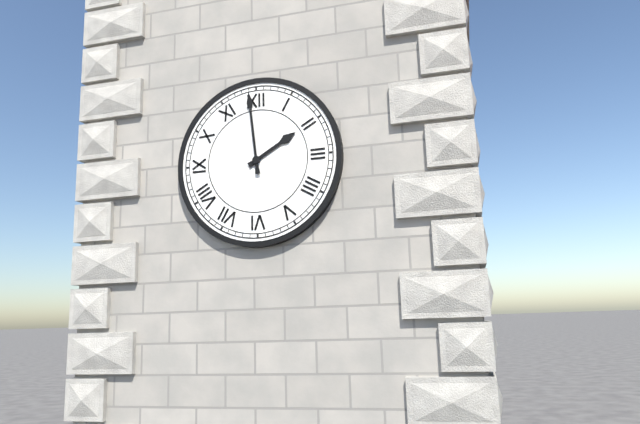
**1:59**
